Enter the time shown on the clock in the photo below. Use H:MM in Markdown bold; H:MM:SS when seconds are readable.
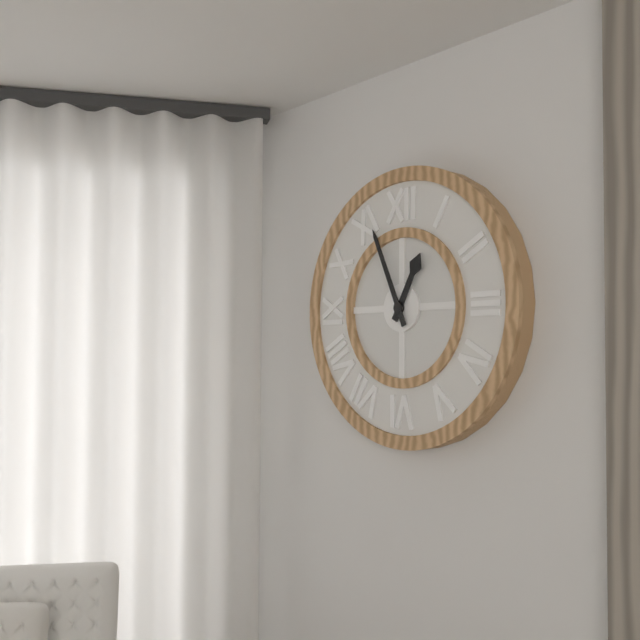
**12:56**
